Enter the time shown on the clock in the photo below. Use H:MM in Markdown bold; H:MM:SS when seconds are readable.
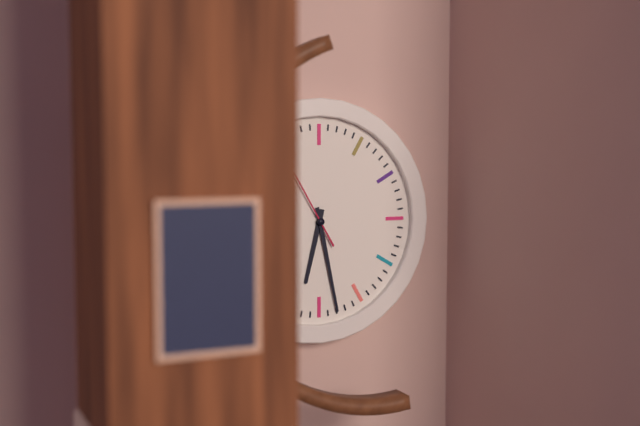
**6:28**
